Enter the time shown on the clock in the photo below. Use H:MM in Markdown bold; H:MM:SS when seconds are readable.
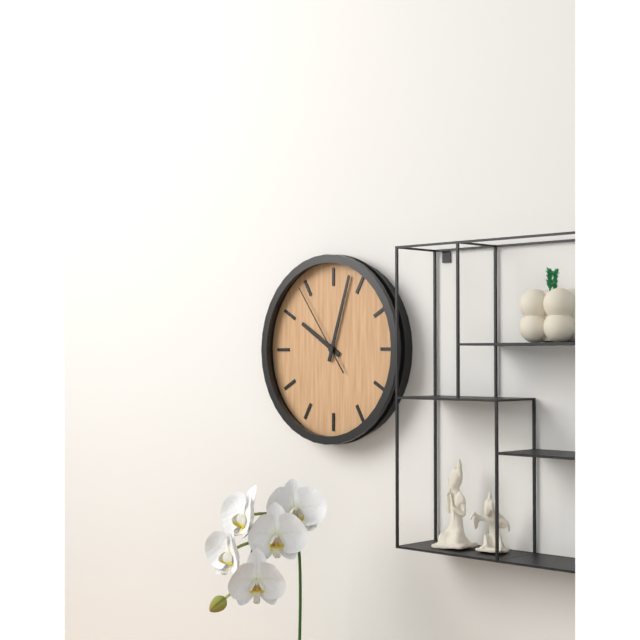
**10:03:54**
